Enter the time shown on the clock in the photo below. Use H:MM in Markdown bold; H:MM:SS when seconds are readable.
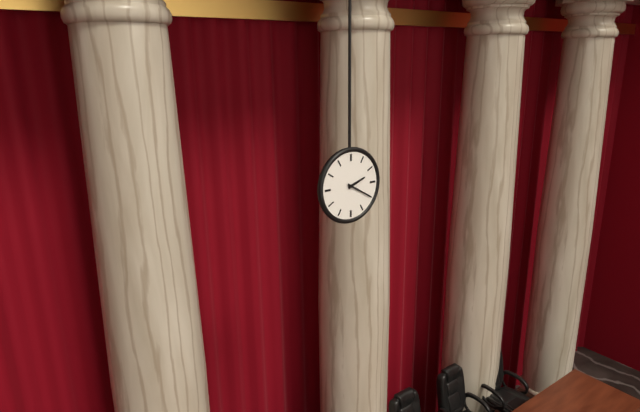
**2:20**
